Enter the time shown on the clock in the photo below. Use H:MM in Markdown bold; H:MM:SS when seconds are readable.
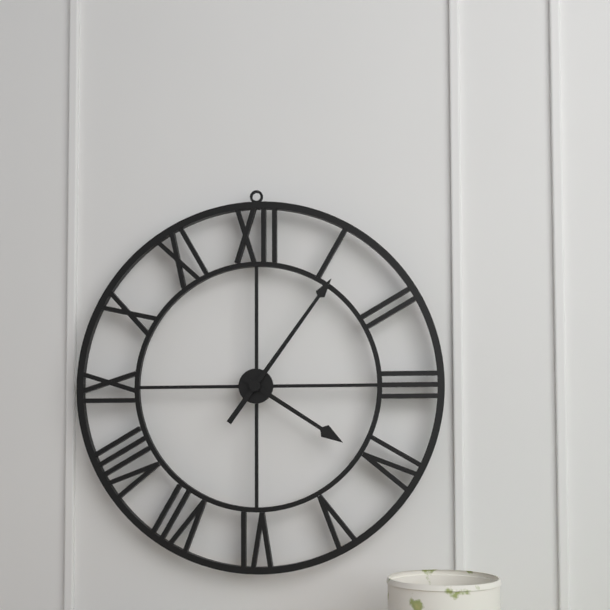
**4:06**
